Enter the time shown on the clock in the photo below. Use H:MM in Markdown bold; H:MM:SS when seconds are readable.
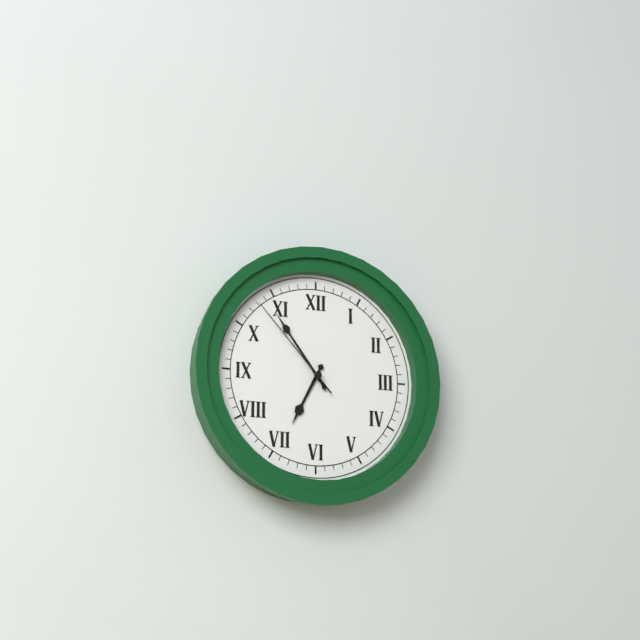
**6:54:53**
